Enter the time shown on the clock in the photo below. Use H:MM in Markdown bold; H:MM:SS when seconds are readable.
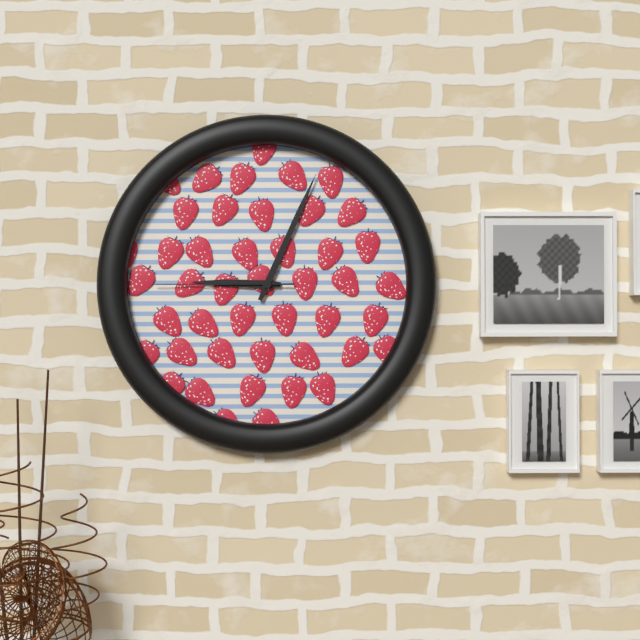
**9:04:45**
